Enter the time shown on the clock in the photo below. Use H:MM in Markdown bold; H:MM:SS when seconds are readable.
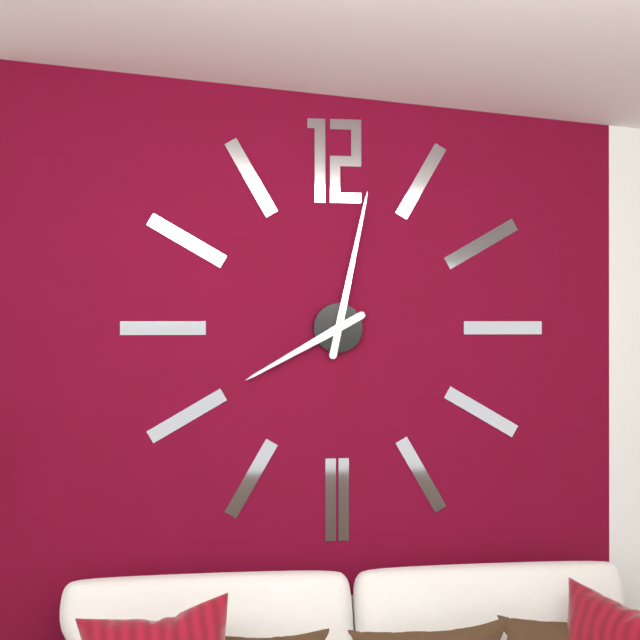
**8:02**
